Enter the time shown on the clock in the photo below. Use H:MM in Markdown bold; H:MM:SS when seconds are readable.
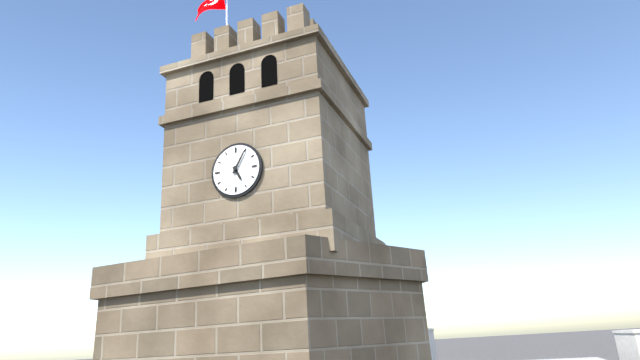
**5:05**
